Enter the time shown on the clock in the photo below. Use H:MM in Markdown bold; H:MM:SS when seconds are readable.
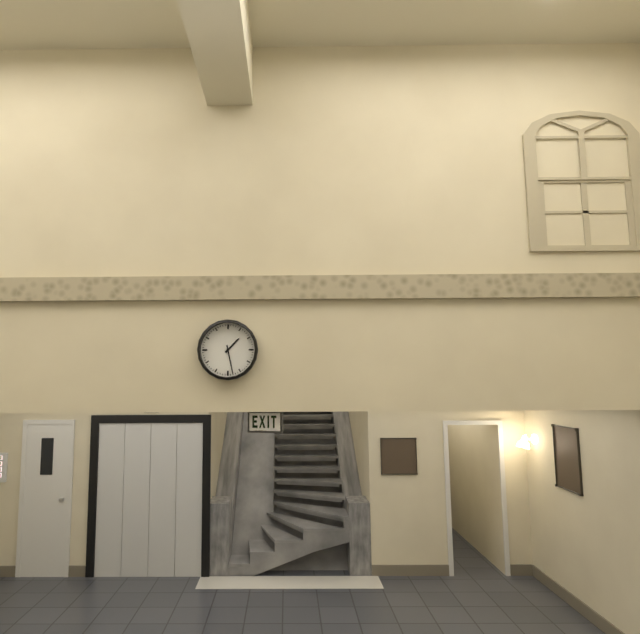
**1:28**
